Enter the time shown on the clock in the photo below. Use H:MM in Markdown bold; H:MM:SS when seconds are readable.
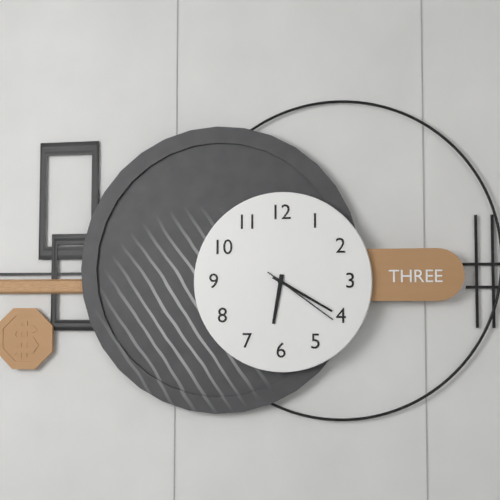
**6:20:21**
